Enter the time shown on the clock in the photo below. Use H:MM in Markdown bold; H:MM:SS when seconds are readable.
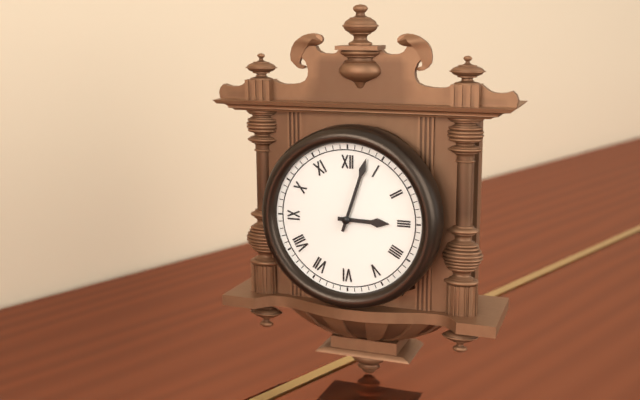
**3:03**
